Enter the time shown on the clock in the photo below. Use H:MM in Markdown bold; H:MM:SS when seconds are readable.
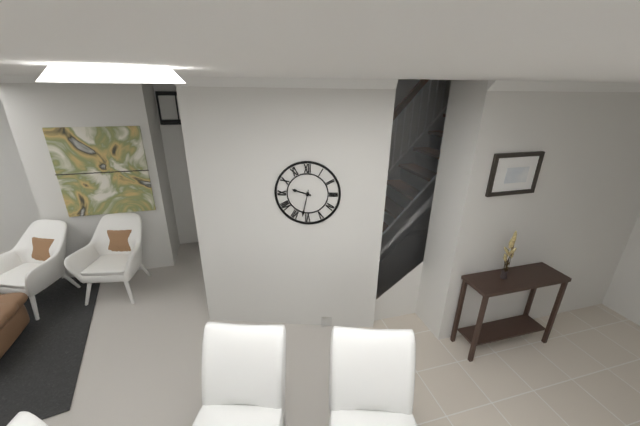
**9:32**
